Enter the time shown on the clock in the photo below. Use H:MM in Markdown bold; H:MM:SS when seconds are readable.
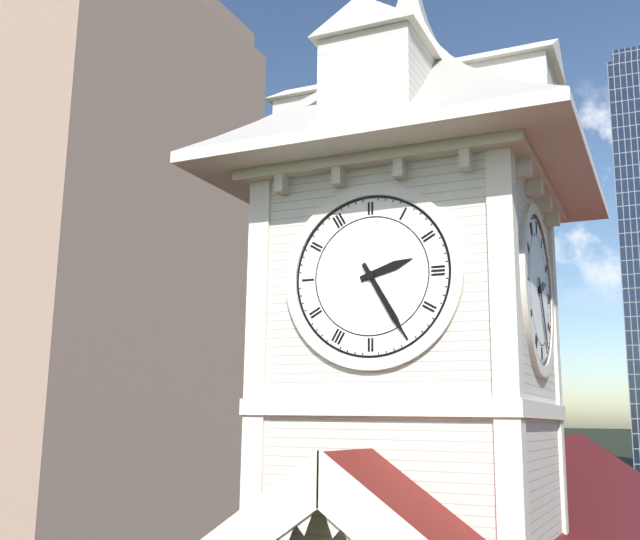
**2:25**
